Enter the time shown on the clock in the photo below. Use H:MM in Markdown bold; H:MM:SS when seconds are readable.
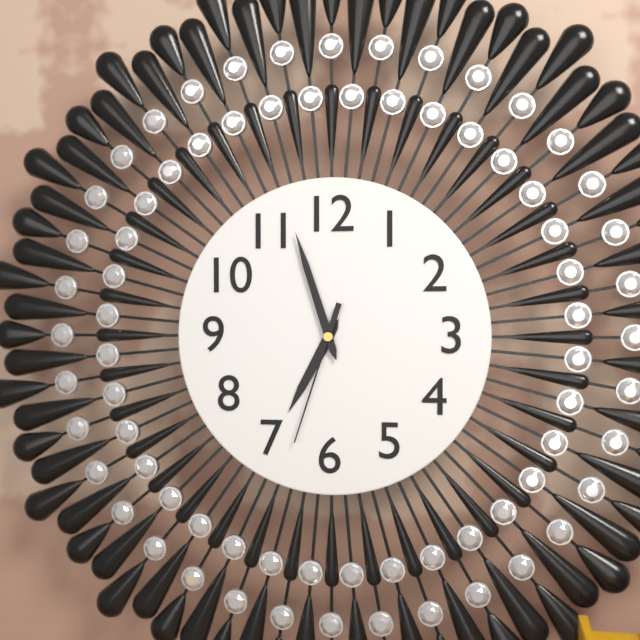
**6:57:33**
